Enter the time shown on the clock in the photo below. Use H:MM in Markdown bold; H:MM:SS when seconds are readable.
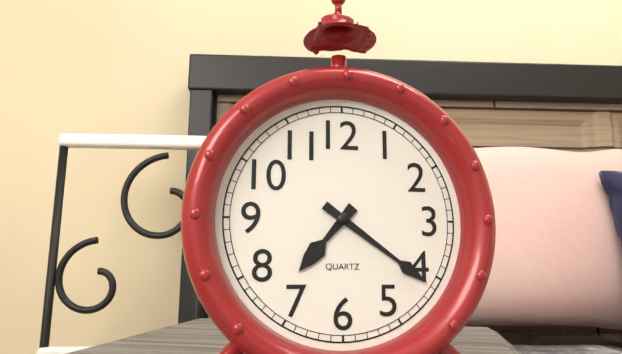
**7:21**
